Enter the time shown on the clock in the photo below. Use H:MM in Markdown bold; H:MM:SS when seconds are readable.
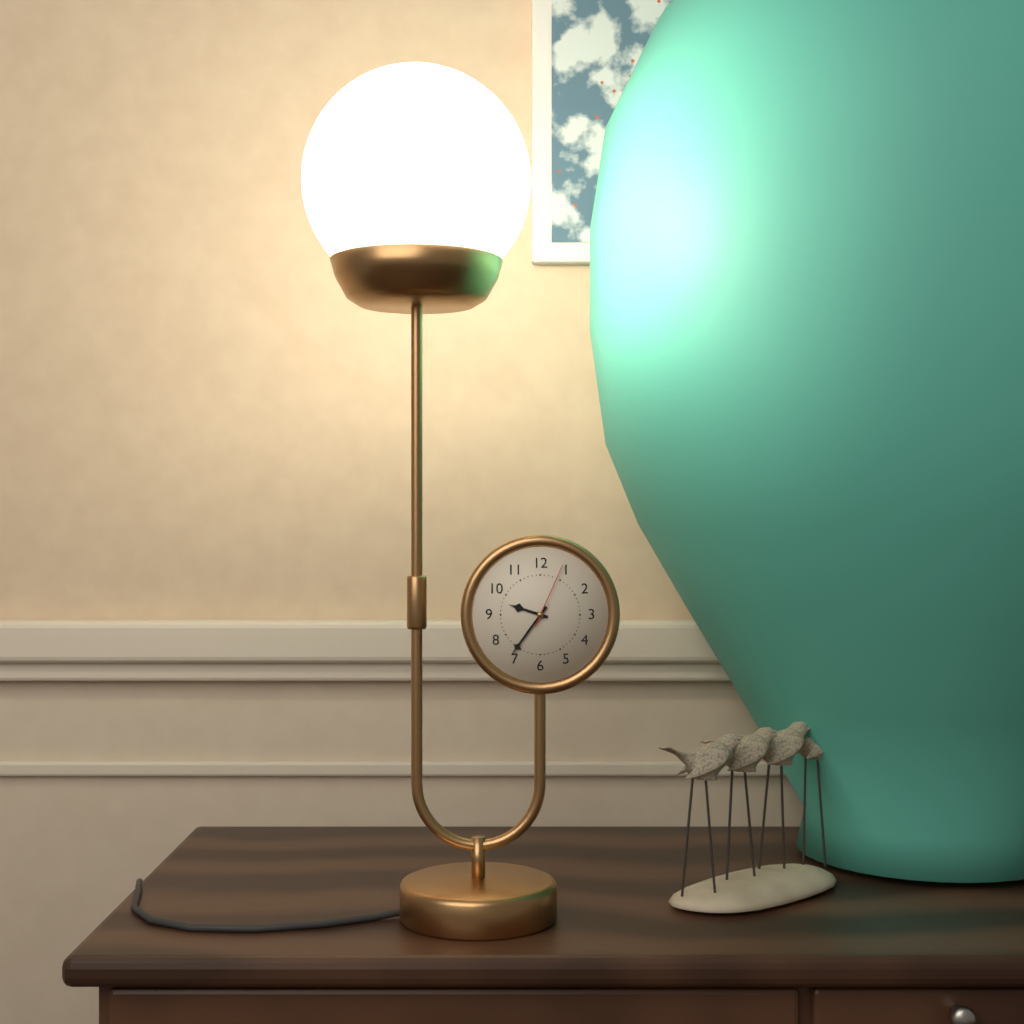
**9:36:04**
